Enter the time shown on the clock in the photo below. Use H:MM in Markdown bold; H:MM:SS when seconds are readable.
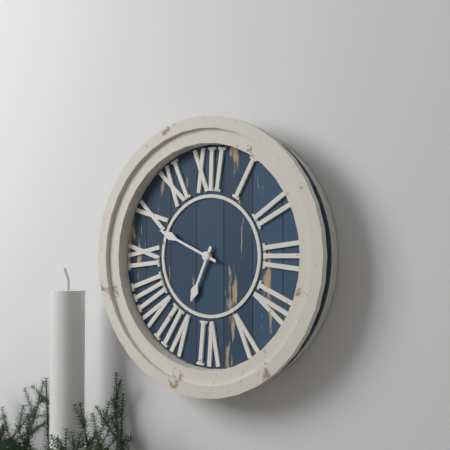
**6:49**
